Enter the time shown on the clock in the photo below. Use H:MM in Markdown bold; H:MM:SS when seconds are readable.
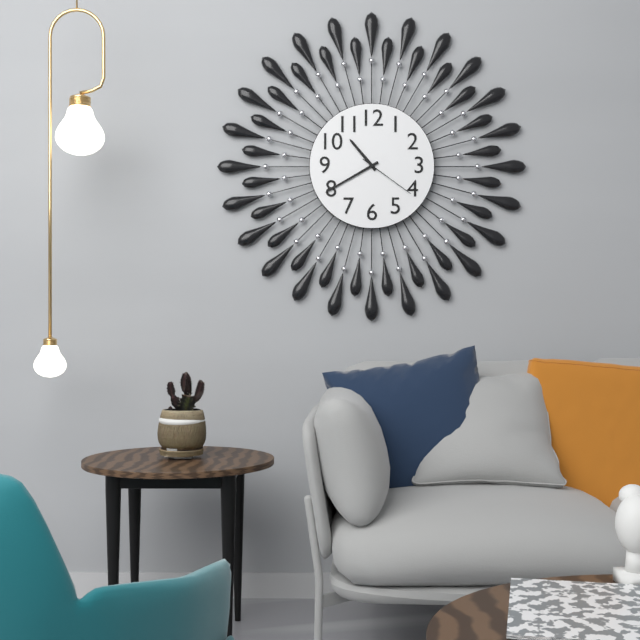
**10:40:21**
